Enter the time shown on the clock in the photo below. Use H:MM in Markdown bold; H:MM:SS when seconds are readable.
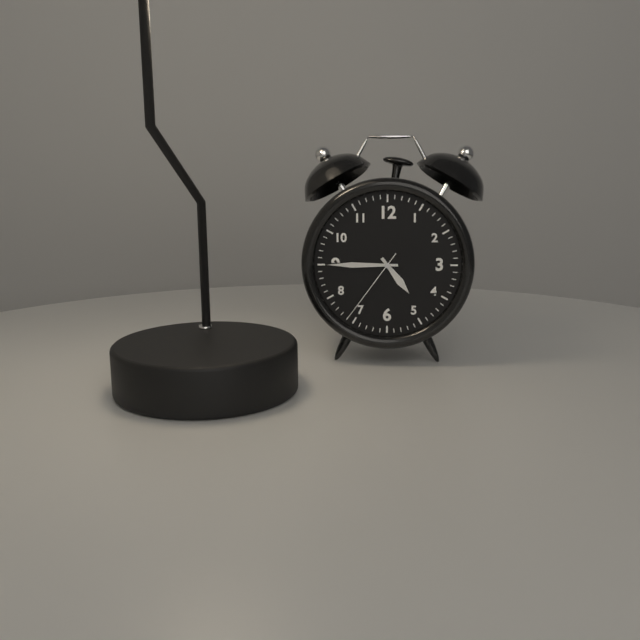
**4:45:36**
